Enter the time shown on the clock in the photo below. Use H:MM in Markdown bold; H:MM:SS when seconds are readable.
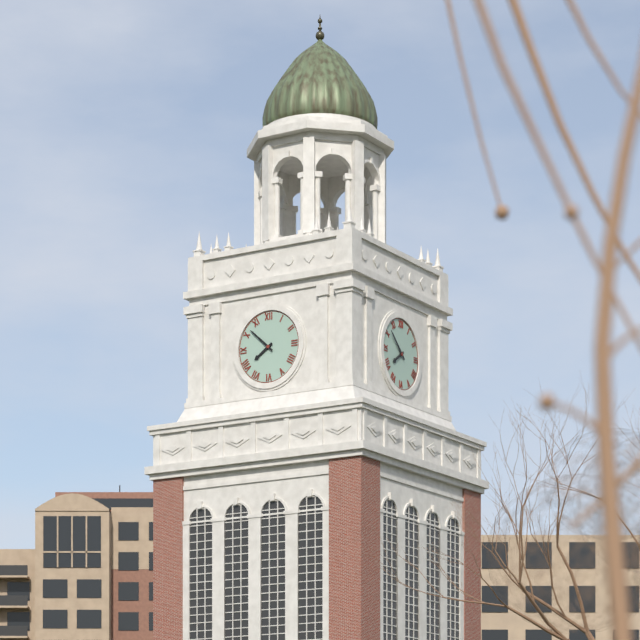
**7:52**
